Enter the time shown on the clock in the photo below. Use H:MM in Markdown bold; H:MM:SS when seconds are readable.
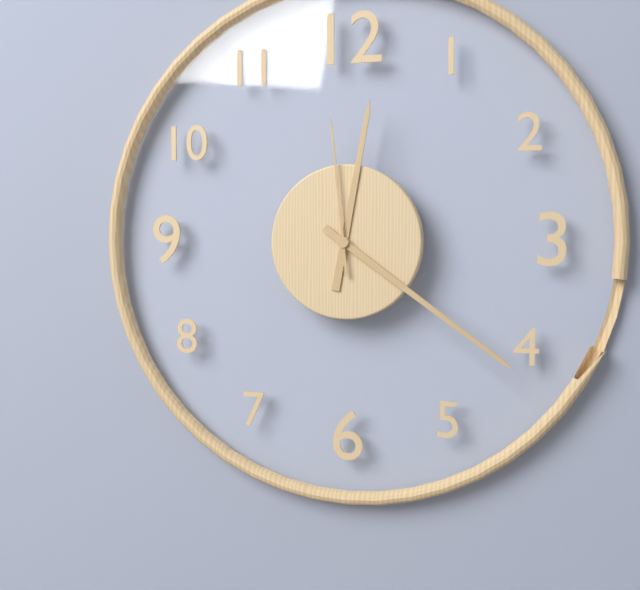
**12:21:59**
